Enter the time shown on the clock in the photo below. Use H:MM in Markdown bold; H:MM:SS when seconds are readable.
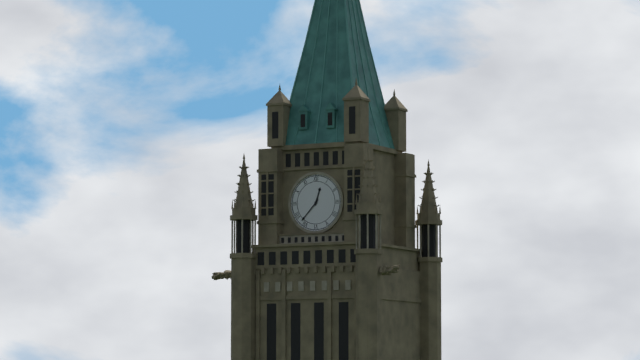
**12:37**
